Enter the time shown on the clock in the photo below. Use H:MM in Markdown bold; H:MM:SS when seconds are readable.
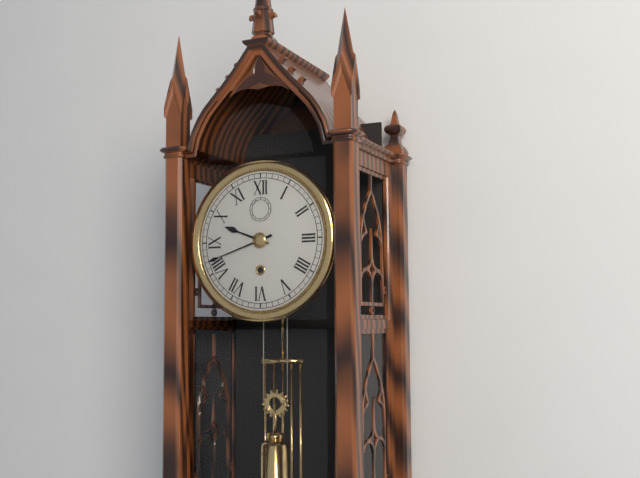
**9:42**
